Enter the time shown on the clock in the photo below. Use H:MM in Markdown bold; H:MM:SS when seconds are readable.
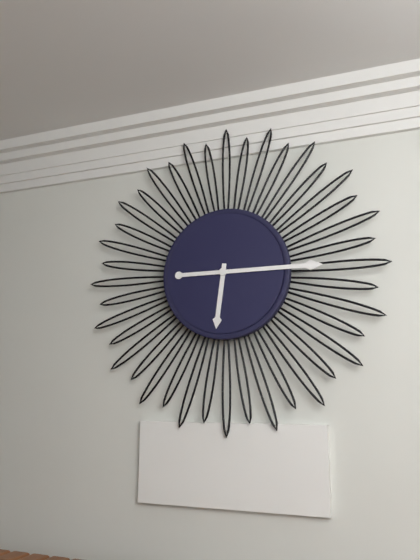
**6:15**
